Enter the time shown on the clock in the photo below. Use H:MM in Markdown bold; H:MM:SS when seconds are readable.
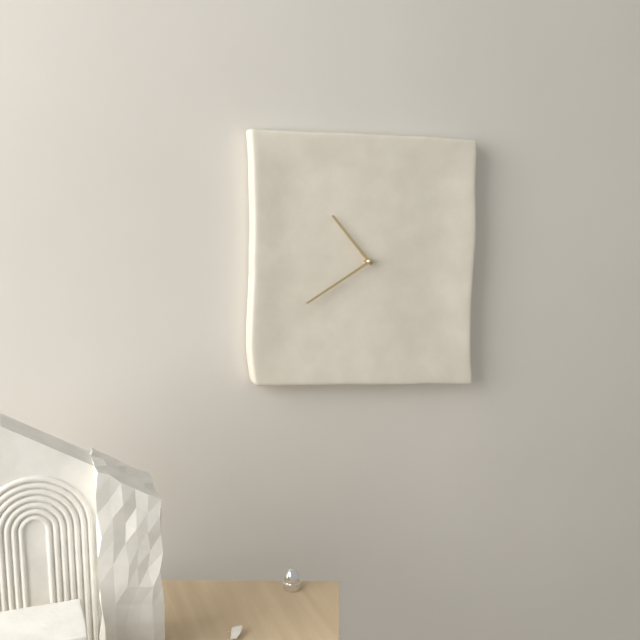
**10:40**
